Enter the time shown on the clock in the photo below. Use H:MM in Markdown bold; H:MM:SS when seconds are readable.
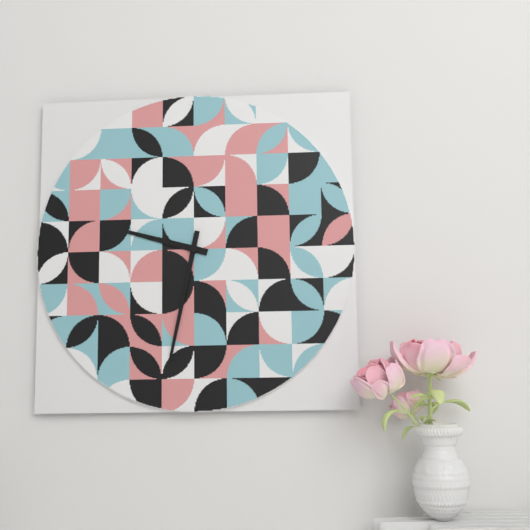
**9:32**
